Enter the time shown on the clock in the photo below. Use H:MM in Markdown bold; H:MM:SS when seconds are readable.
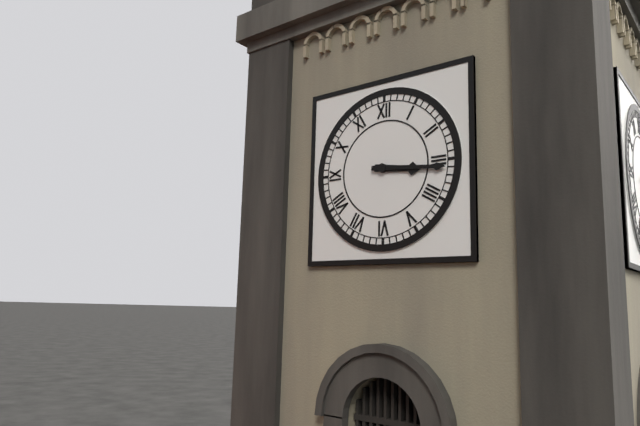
**3:16**
